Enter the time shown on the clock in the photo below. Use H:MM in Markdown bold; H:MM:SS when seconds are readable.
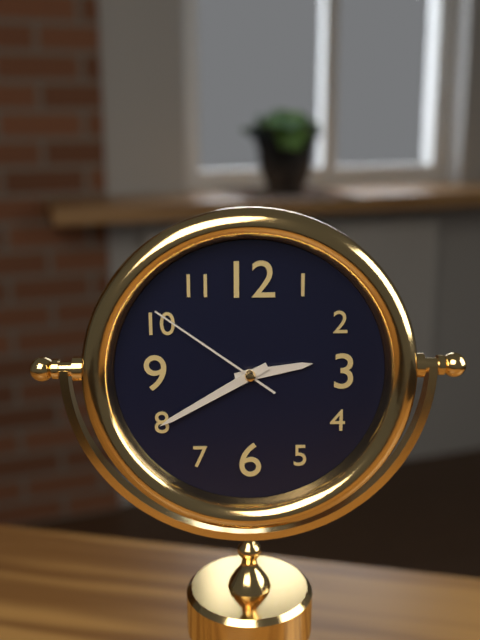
**2:40:51**
